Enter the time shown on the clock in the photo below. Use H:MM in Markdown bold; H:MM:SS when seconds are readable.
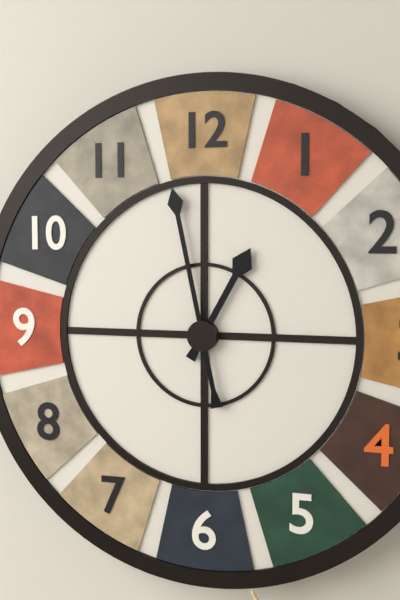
**12:58**
